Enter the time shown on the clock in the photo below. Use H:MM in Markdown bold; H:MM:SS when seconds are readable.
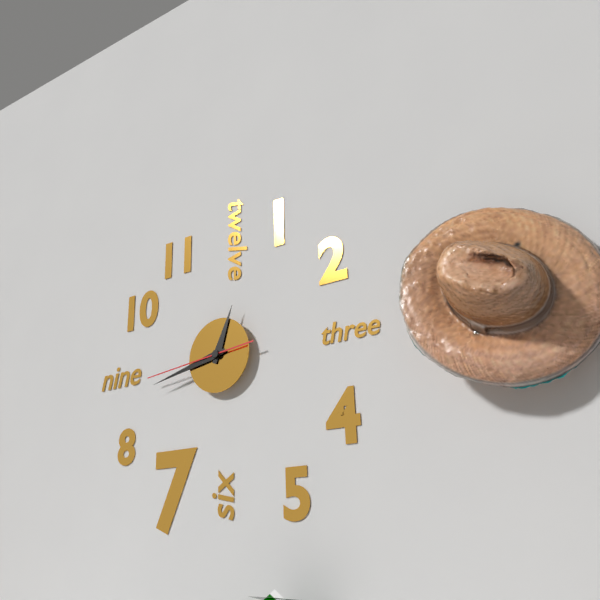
**12:43:44**
